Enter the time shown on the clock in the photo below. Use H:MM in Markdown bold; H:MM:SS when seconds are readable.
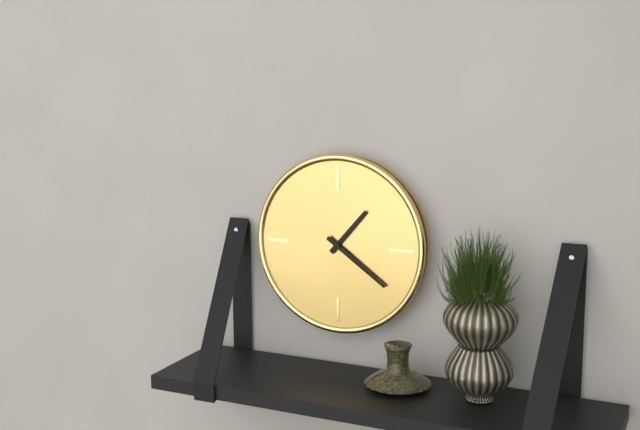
**1:21**
